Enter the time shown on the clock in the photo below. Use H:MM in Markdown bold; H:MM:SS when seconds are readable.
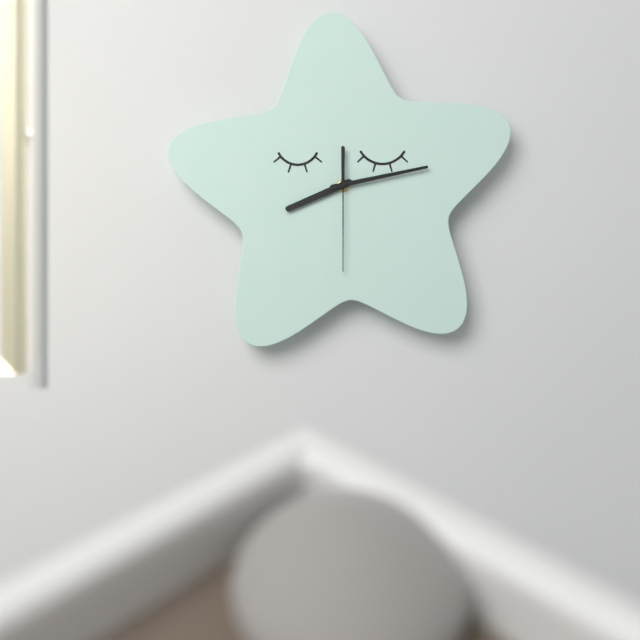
**8:13:30**
